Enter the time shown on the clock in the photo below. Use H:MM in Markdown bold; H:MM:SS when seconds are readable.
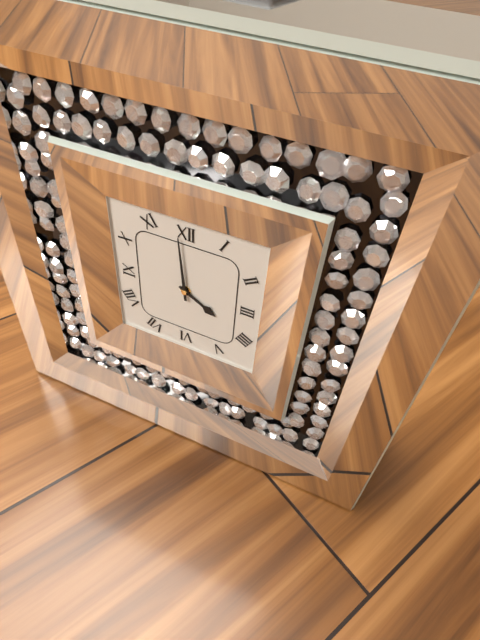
**3:59**
